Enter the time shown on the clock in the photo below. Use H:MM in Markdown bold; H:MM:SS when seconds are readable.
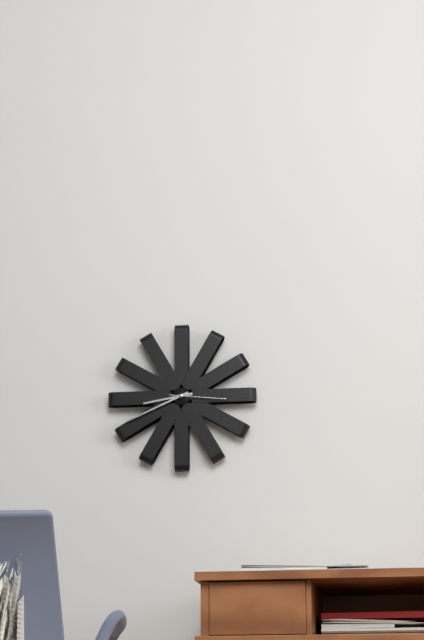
**8:41:16**
